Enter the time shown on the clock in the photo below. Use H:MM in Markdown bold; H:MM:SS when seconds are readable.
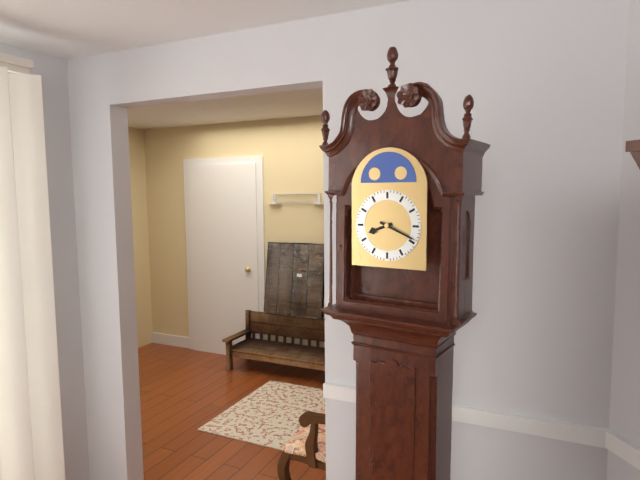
**8:19**
